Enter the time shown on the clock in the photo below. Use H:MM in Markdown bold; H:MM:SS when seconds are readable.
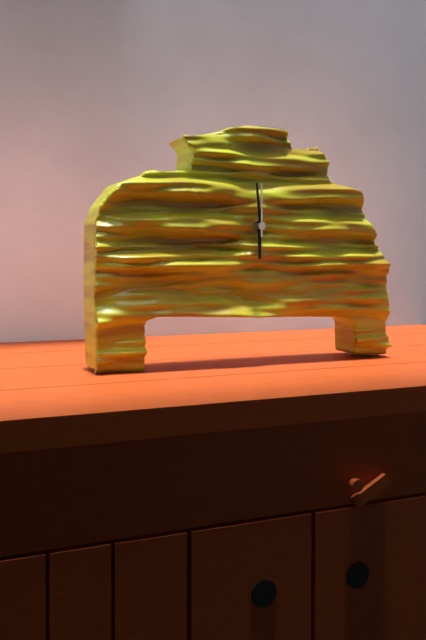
**5:59:00**
